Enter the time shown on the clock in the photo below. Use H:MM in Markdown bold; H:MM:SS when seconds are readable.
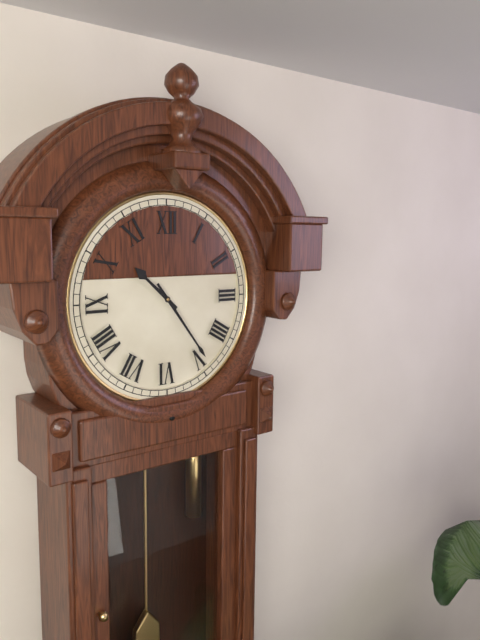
**10:24**
